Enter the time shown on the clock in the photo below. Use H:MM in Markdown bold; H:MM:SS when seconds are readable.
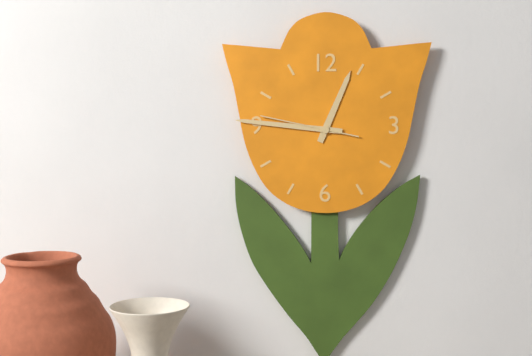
**12:46:47**
